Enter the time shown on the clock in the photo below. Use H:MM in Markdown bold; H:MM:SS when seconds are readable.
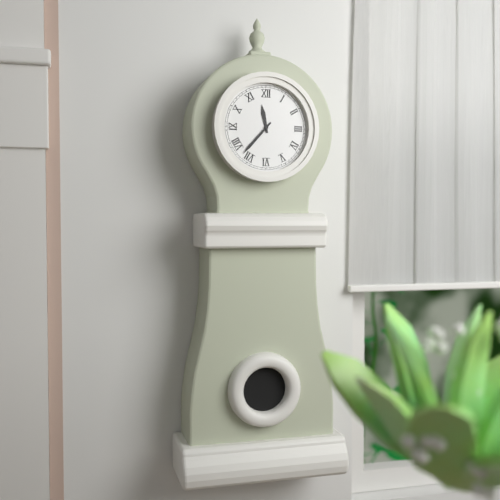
**11:37**
